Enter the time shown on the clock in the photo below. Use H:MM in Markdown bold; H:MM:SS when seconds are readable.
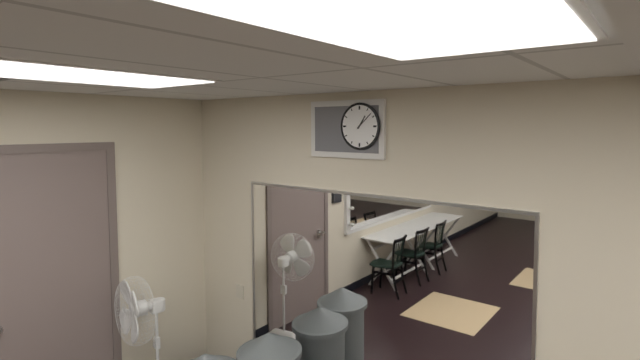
**1:08**
